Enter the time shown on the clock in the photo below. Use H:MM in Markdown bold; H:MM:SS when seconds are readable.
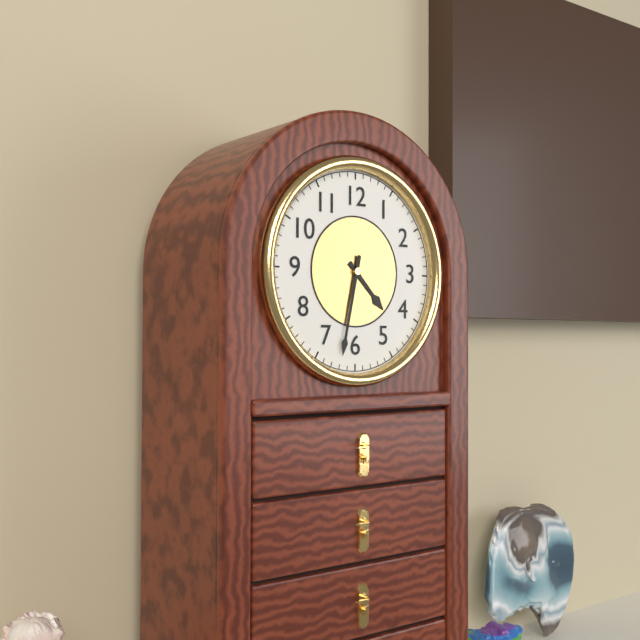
**4:32**
